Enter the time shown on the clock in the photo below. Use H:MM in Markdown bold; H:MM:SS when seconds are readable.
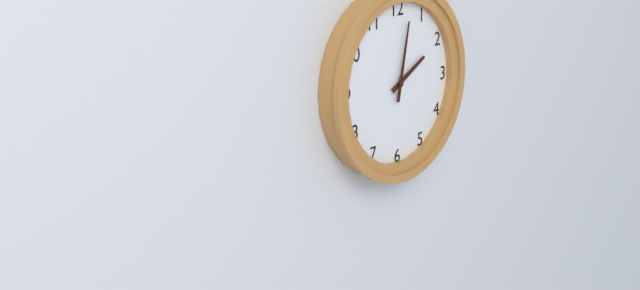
**2:02**
